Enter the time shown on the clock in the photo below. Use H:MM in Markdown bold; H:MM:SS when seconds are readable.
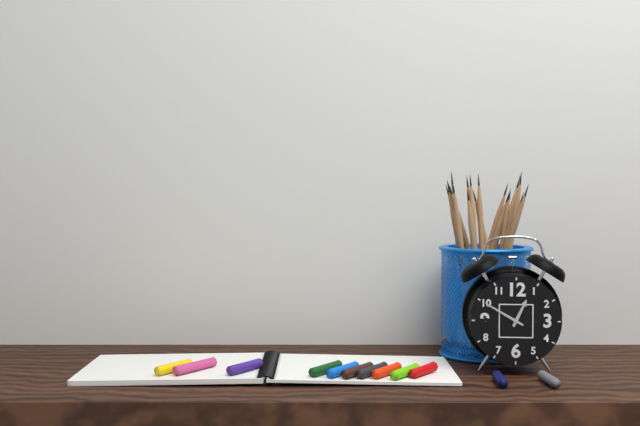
**12:50**
